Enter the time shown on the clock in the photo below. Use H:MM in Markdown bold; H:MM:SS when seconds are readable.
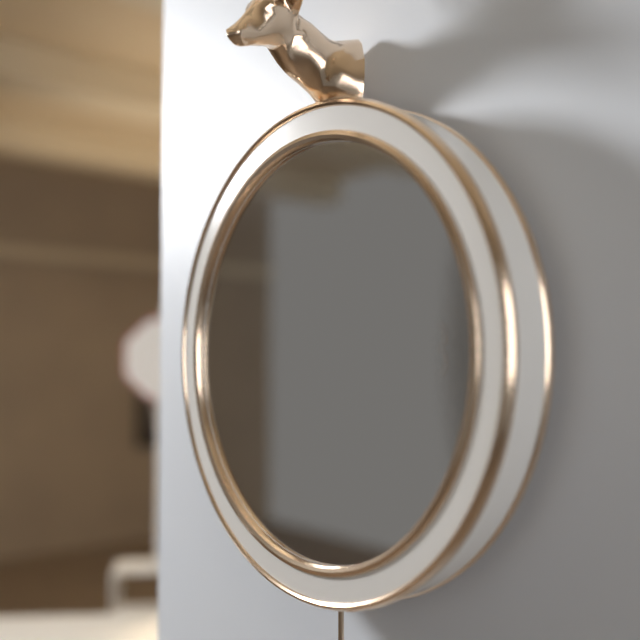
**3:37**
